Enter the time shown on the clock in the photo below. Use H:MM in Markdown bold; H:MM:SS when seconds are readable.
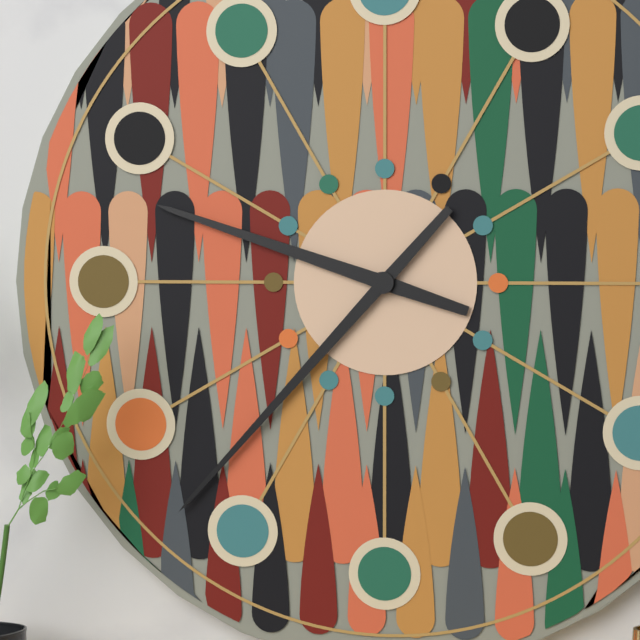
**9:37**
